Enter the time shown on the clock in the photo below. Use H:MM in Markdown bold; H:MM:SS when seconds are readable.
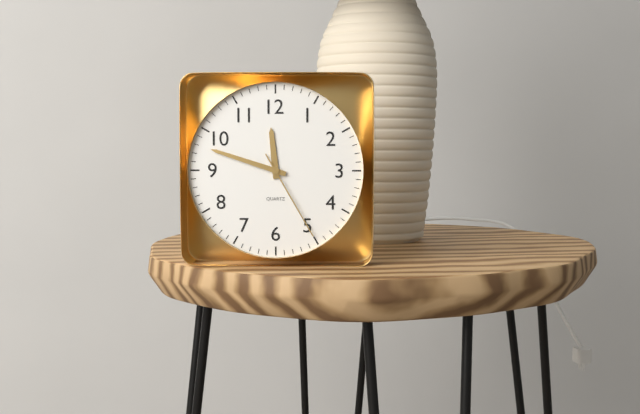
**11:48:25**
